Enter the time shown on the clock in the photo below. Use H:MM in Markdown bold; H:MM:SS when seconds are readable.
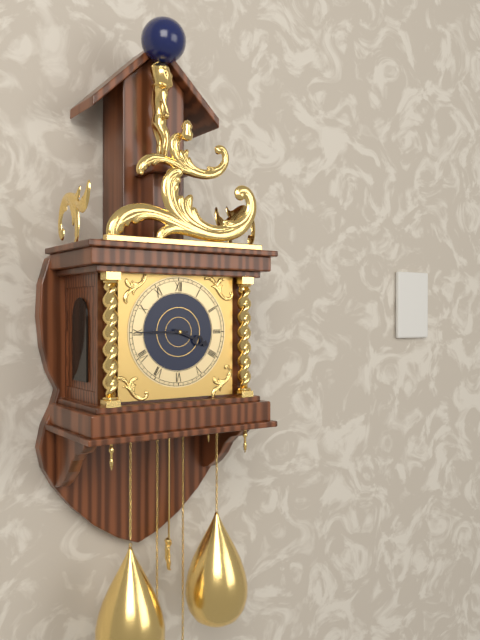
**3:45**
